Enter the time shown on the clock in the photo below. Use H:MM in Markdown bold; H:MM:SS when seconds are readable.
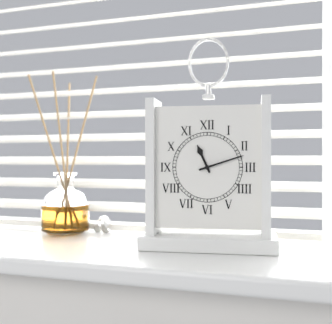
**11:12**
